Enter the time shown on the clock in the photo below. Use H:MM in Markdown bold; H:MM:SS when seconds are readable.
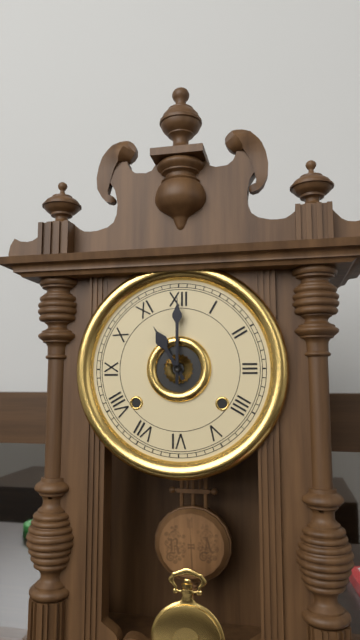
**11:00**
